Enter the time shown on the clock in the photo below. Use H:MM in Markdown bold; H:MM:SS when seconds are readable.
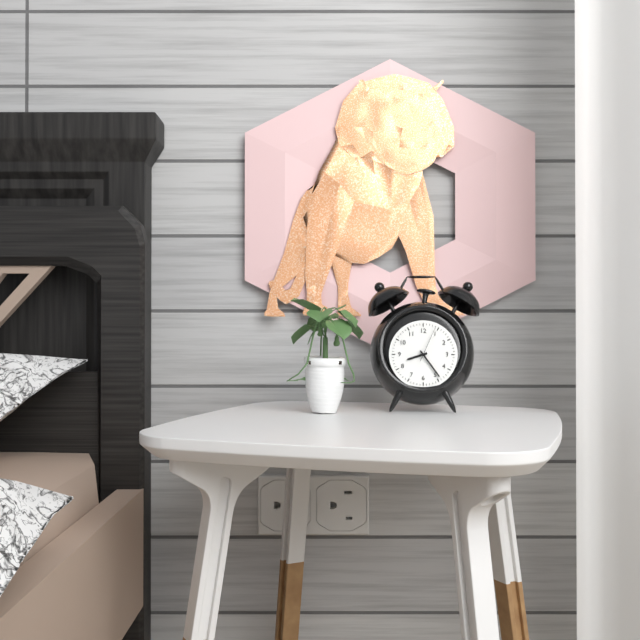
**8:24**
